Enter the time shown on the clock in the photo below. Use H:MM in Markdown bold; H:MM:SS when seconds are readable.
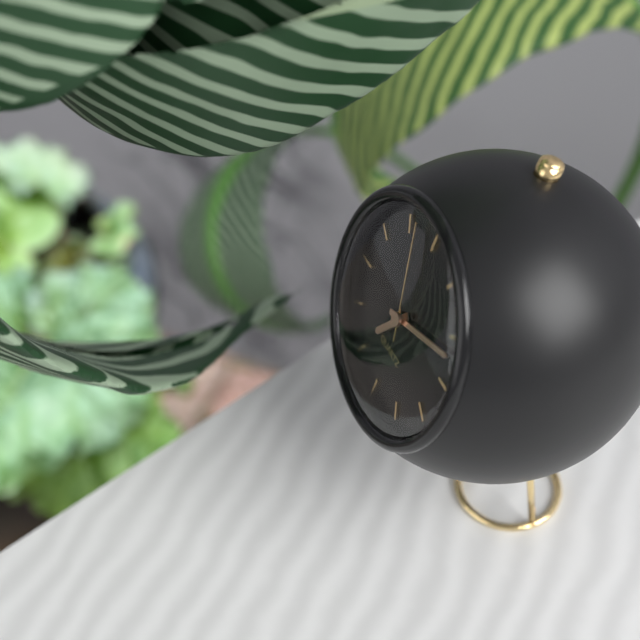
**7:12:57**
